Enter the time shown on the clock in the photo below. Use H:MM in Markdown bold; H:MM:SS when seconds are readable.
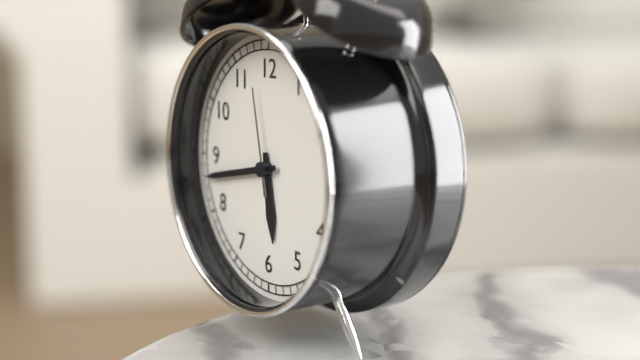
**5:43:58**
